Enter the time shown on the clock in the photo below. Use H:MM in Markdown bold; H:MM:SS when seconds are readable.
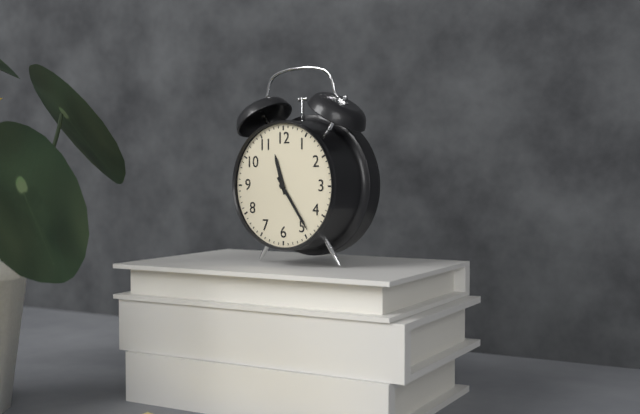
**11:24**
